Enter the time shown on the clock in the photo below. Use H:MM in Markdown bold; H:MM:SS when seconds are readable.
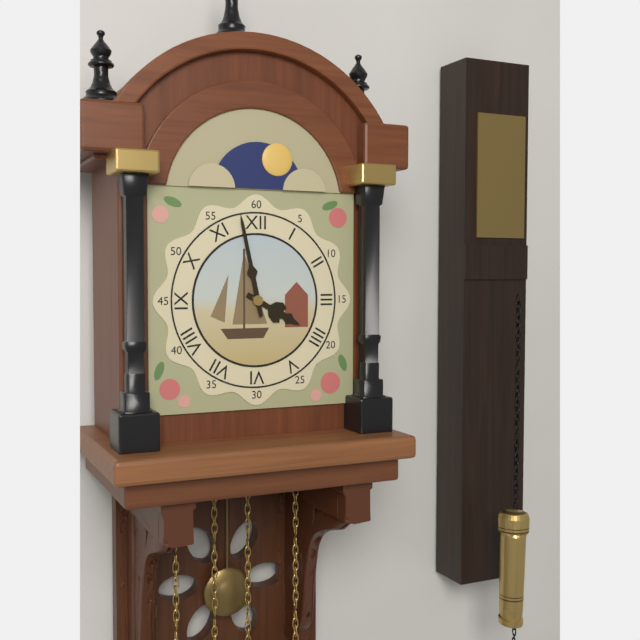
**3:58**
